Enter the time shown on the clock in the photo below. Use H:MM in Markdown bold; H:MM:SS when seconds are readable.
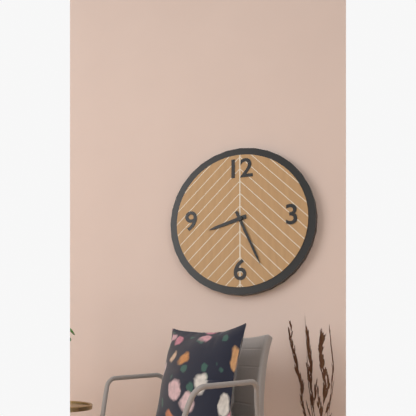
**8:26**
